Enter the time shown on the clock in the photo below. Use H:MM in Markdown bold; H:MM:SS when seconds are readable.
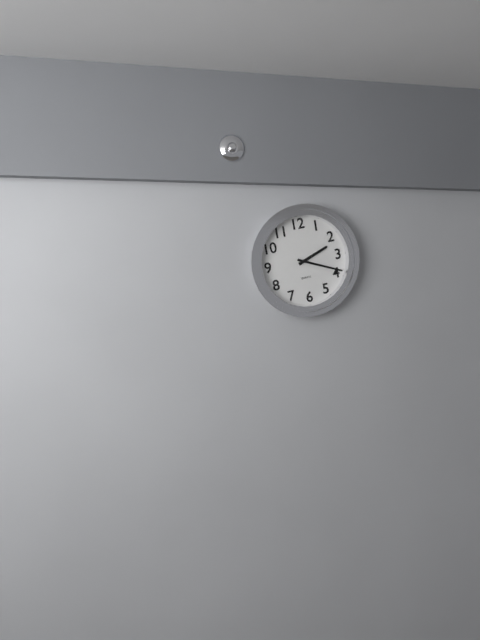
**2:19**
